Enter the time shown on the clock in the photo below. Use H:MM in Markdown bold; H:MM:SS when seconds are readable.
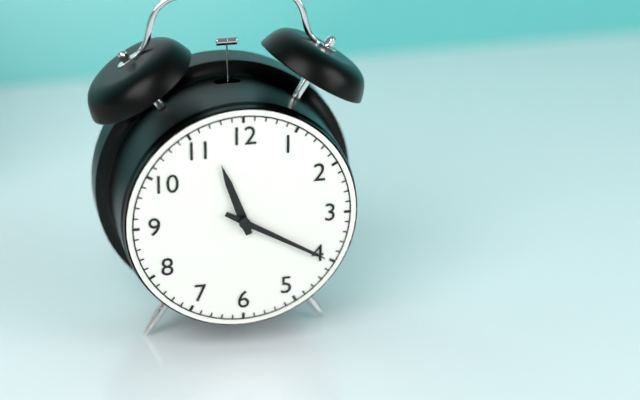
**11:20**
